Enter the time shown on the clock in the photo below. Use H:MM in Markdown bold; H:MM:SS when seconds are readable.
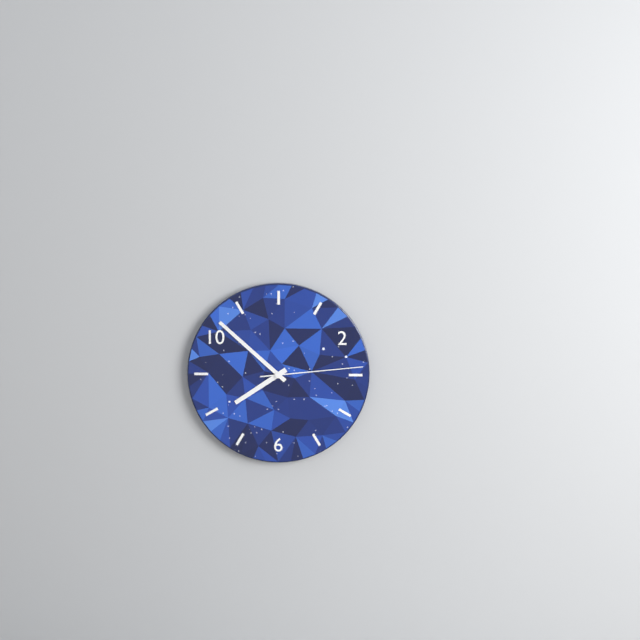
**7:52:14**
